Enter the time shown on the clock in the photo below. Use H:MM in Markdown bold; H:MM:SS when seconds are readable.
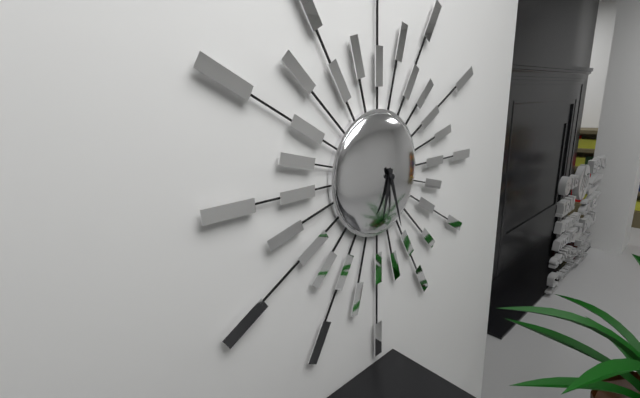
**6:27**
